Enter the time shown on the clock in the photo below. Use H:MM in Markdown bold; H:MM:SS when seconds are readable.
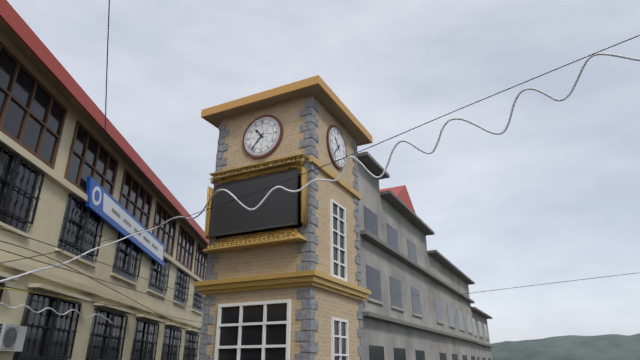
**10:37**
